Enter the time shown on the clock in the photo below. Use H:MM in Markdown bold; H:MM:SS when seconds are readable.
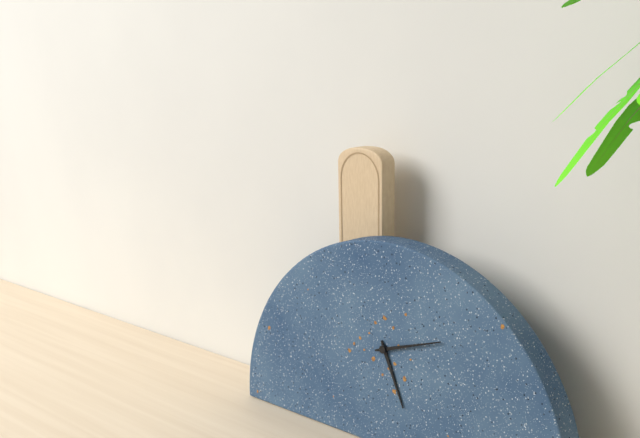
**5:12**
